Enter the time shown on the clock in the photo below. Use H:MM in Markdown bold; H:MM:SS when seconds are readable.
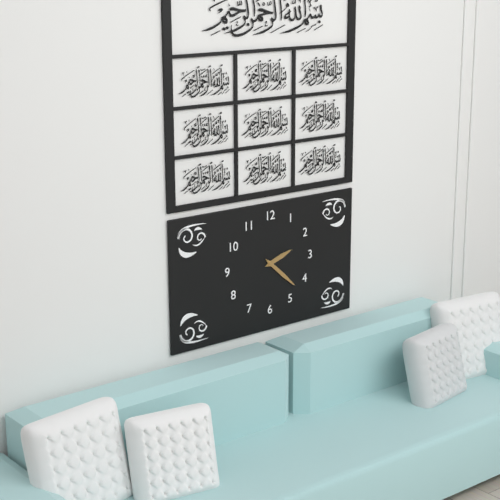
**2:22**
